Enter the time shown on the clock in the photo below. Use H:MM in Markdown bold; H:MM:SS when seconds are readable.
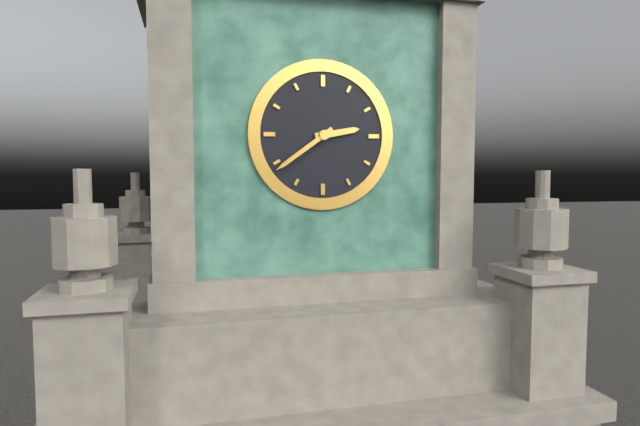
**2:39**
